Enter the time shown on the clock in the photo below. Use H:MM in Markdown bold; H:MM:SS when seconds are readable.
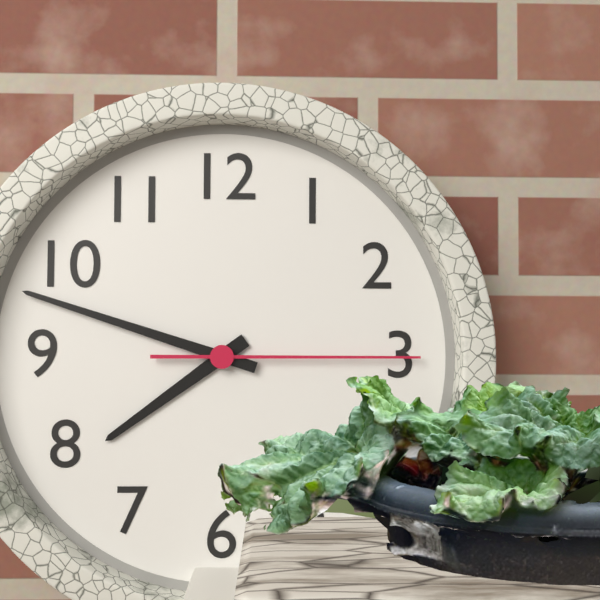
**7:48:15**
